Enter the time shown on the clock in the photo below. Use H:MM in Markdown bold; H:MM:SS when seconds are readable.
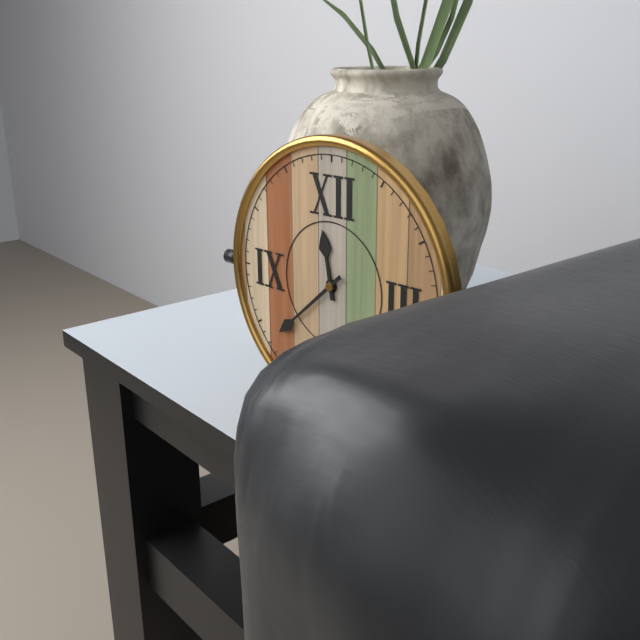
**11:38**
